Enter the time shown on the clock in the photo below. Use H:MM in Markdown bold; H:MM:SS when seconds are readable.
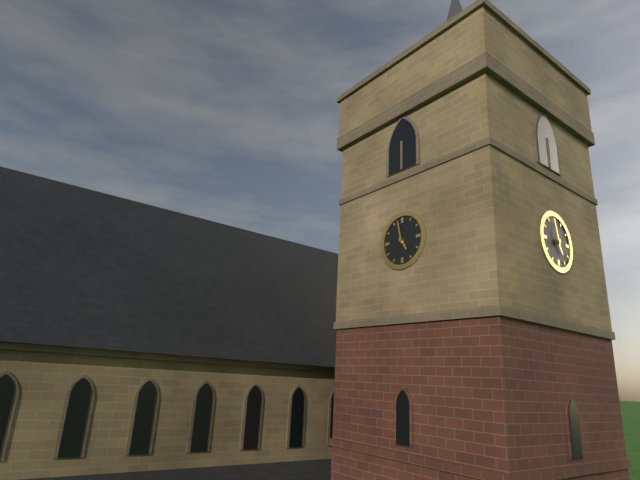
**4:58**
